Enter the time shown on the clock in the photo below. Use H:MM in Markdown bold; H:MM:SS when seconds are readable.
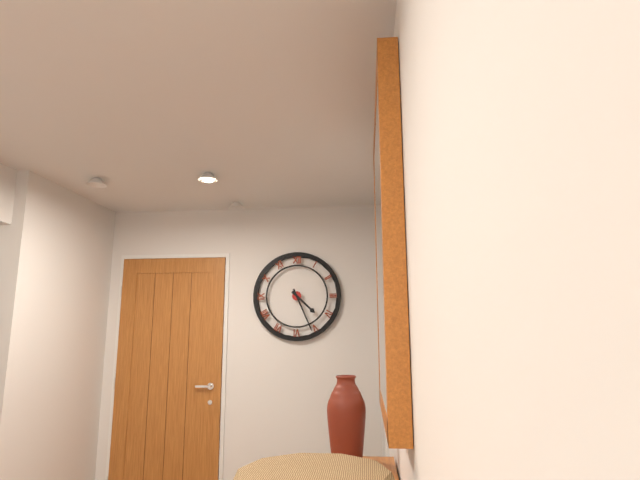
**4:26**
